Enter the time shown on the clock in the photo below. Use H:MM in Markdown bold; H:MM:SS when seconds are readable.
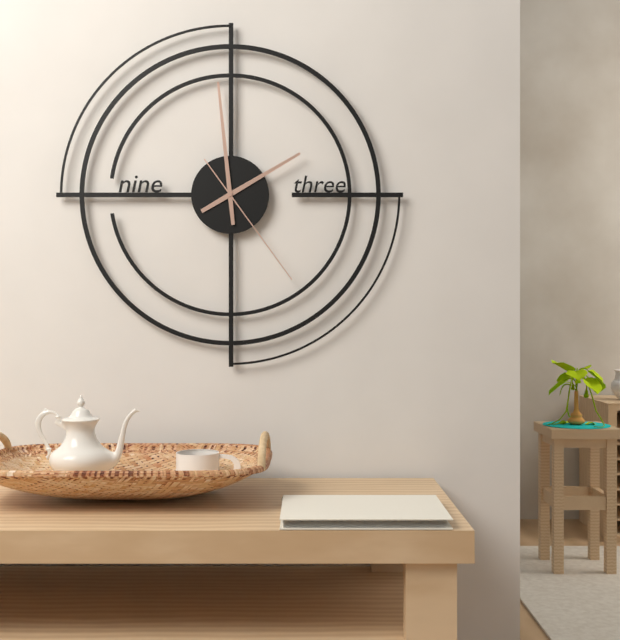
**1:59:24**
